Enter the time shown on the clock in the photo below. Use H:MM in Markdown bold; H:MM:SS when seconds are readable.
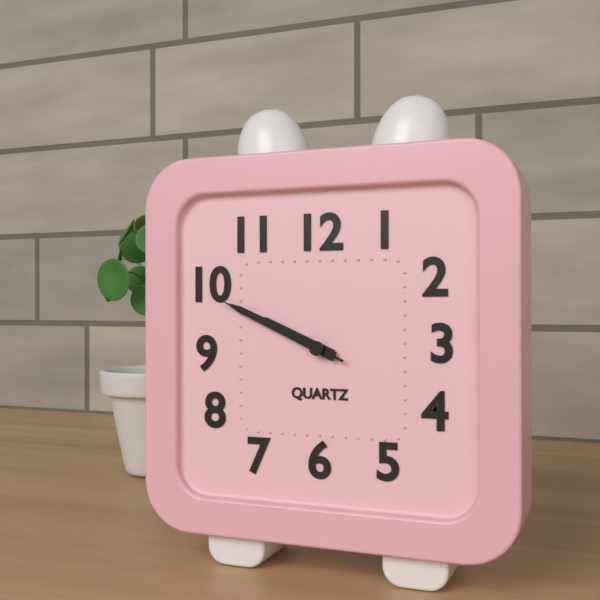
**9:49:49**
